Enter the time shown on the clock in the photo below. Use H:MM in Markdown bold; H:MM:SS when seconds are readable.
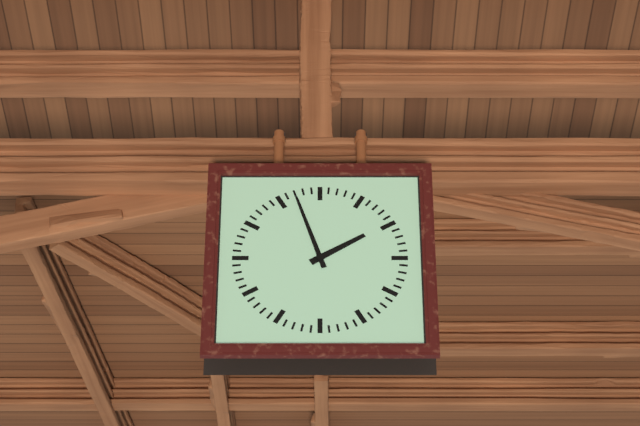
**1:57**
